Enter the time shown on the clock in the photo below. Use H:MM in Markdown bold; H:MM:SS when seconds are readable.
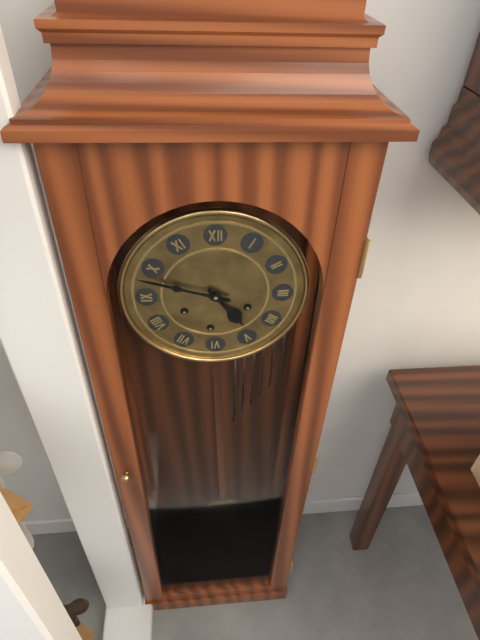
**4:48**
